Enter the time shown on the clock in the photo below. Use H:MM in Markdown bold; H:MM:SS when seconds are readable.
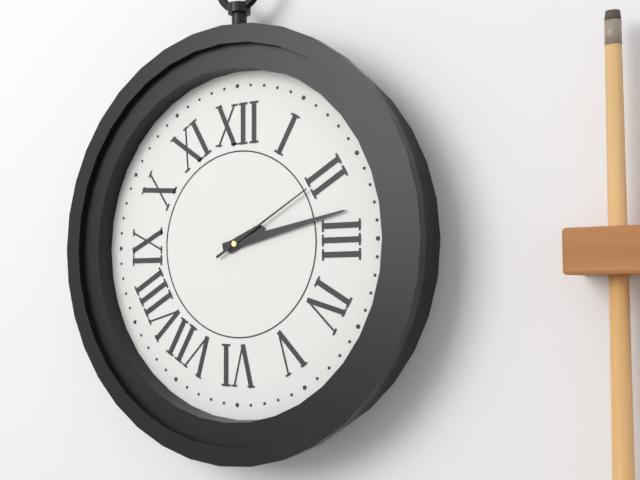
**2:13:10**
